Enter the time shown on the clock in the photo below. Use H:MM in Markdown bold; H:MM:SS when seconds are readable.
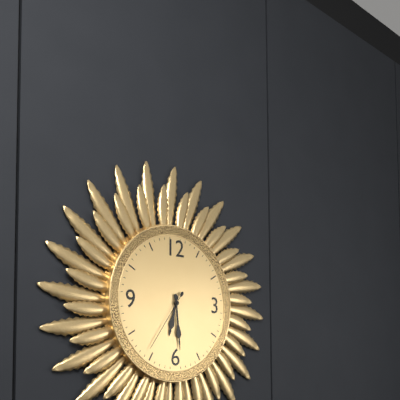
**6:29:36**
